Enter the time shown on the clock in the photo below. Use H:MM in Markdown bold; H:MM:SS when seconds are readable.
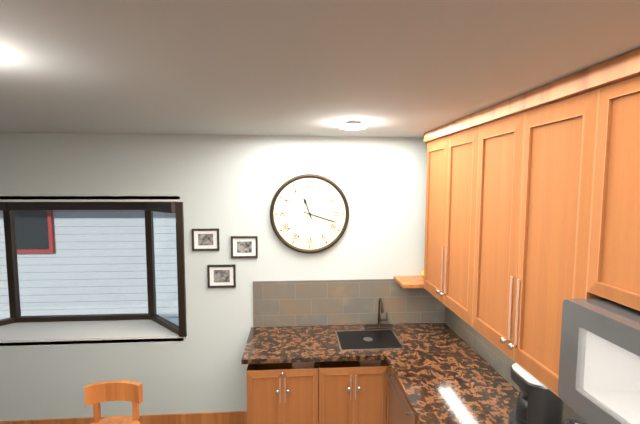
**11:18**
